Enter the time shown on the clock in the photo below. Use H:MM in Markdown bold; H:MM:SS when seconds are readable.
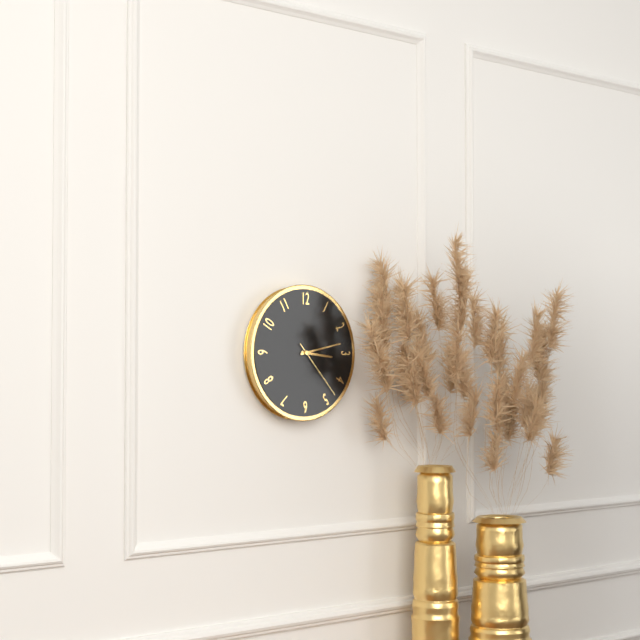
**3:13:23**
